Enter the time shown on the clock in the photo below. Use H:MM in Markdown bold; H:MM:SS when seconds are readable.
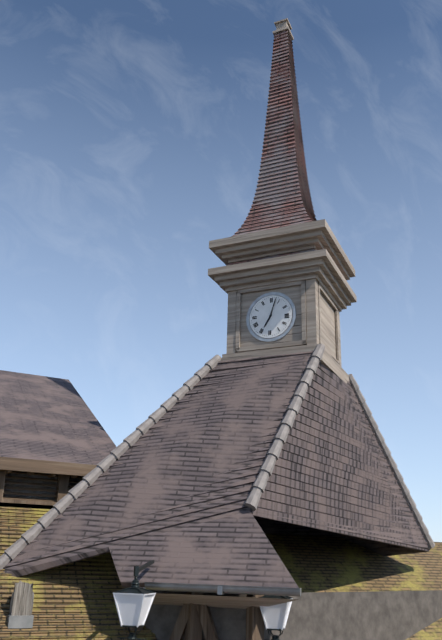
**7:03**
